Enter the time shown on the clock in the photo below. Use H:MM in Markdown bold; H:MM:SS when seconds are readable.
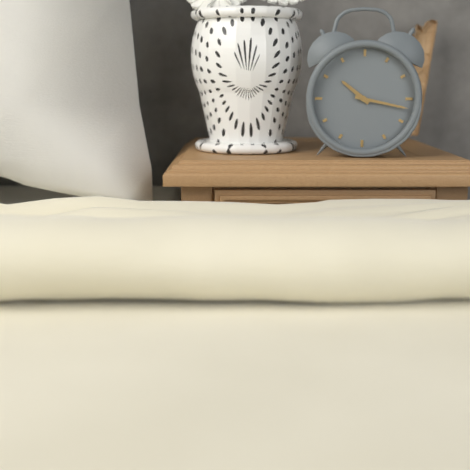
**10:17**
